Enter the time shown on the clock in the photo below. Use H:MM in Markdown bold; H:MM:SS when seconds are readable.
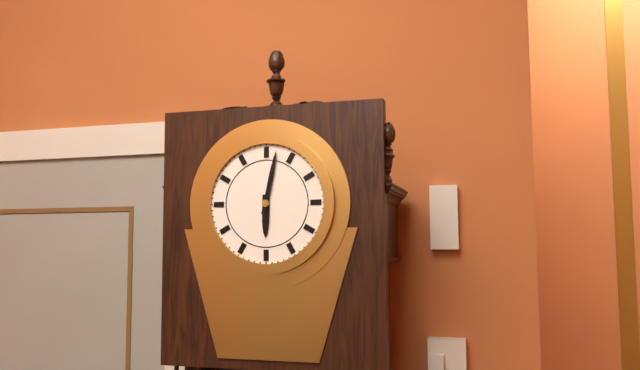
**6:02**
